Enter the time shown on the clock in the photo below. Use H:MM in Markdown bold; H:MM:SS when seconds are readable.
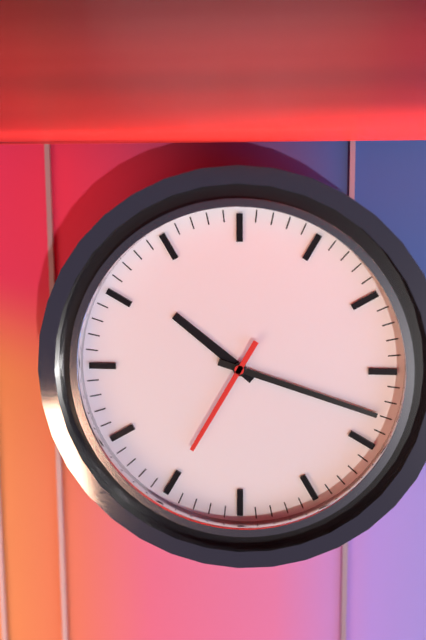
**10:18:35**
